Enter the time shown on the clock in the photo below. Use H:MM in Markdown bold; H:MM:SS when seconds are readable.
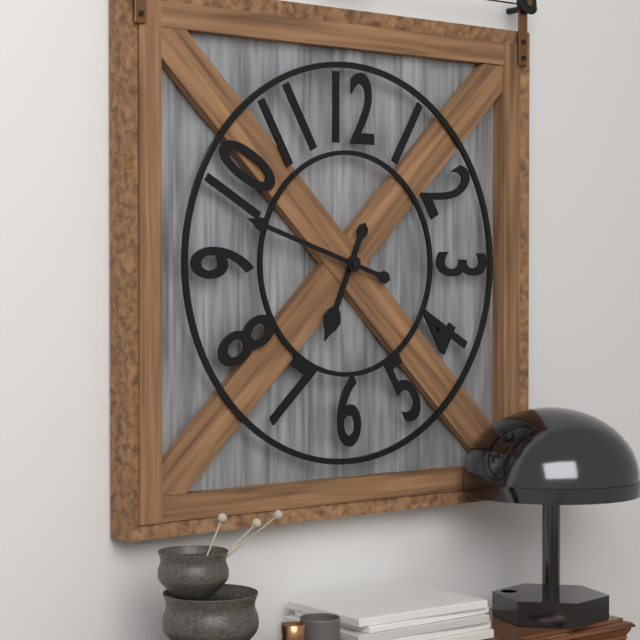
**6:48**
